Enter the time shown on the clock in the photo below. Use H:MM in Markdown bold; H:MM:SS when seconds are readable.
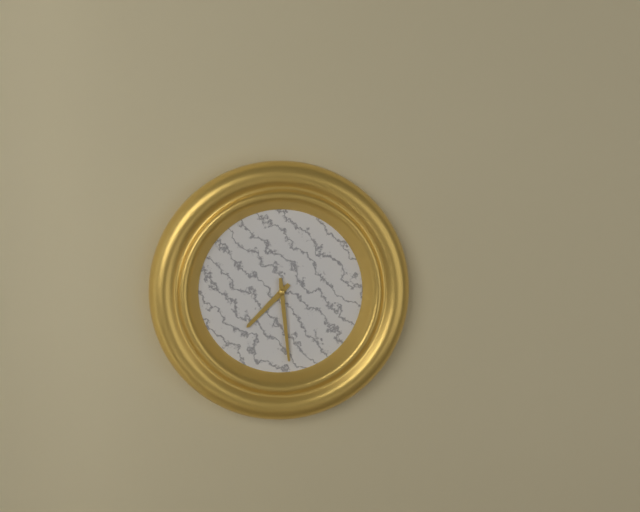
**7:29**
